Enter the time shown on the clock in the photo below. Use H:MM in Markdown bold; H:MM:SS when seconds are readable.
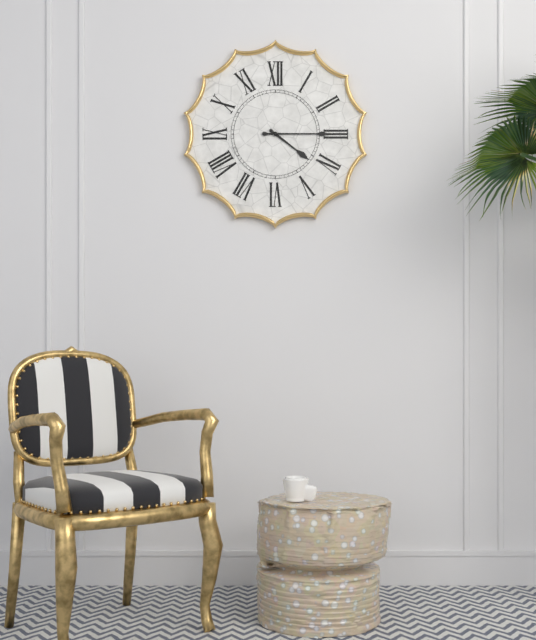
**4:15**
